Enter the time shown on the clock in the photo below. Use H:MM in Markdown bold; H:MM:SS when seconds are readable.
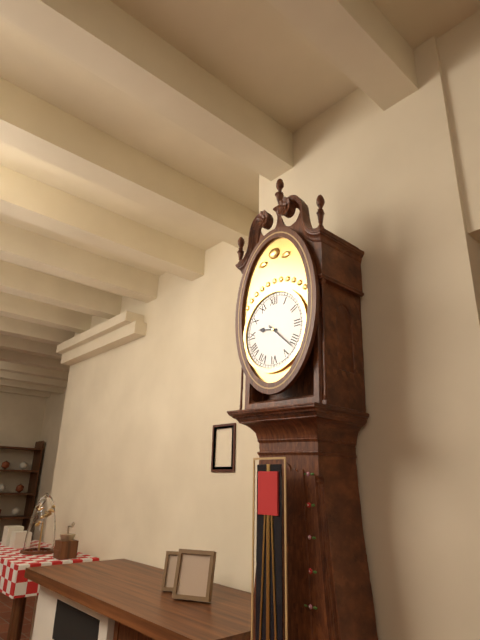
**9:22**
